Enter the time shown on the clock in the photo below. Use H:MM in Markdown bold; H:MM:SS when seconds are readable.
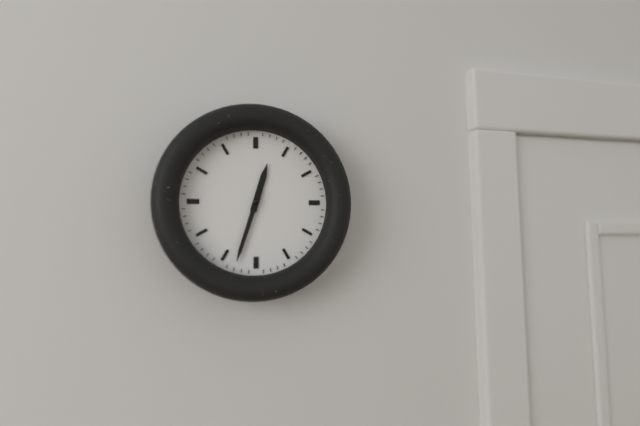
**12:33**
